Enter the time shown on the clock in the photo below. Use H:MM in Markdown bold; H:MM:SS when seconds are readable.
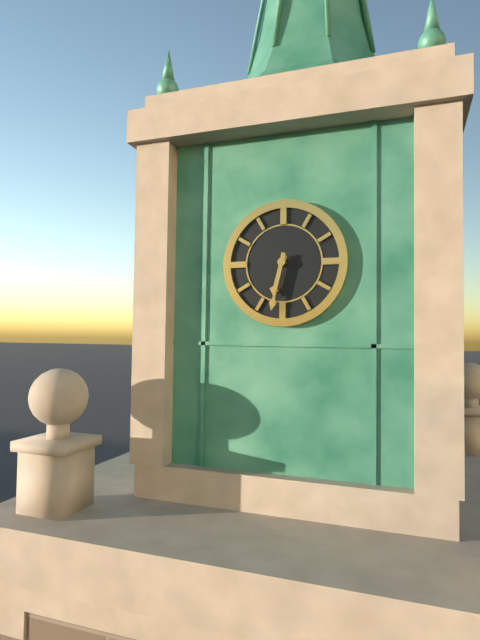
**6:32**
